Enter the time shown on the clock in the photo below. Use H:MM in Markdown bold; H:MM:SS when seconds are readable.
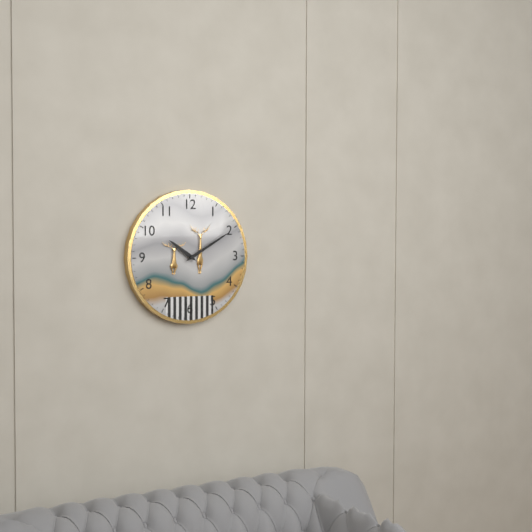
**10:10**
